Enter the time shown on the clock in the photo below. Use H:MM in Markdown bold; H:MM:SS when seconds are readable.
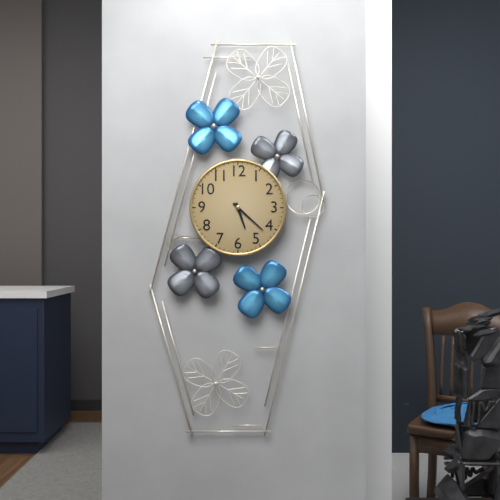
**5:22**
